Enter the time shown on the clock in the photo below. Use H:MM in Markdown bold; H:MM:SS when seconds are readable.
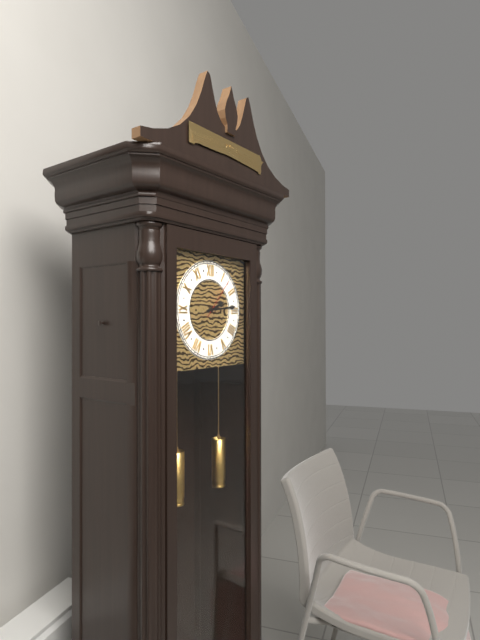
**2:14**
